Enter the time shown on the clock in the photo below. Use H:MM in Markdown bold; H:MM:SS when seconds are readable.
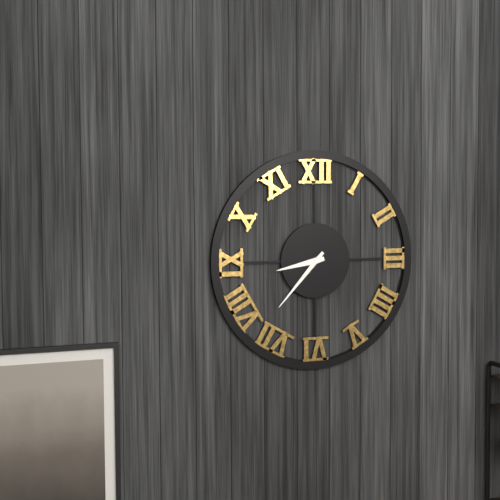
**8:37**
